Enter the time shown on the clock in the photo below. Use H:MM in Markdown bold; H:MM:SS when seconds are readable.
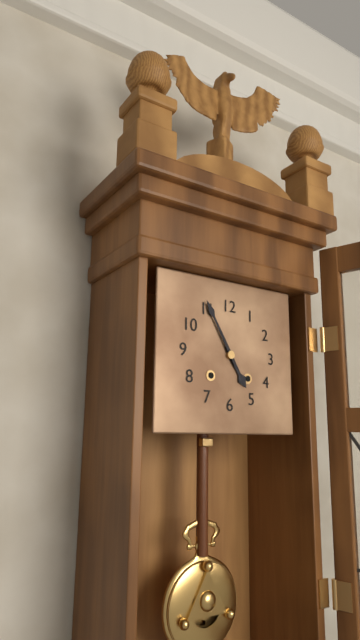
**4:55**
